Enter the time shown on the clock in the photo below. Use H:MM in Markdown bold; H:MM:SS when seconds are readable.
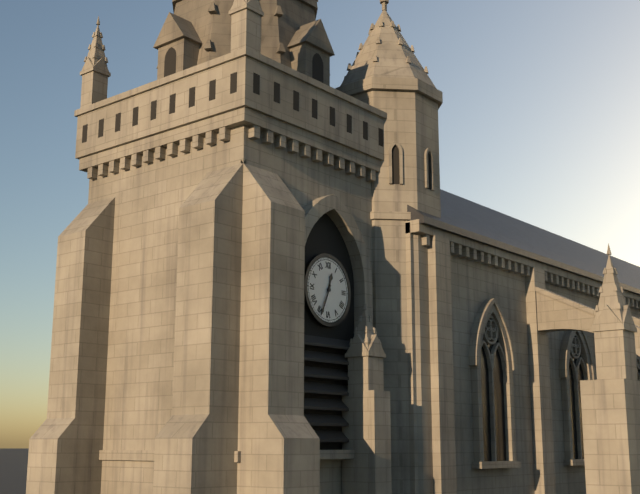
**12:34**
